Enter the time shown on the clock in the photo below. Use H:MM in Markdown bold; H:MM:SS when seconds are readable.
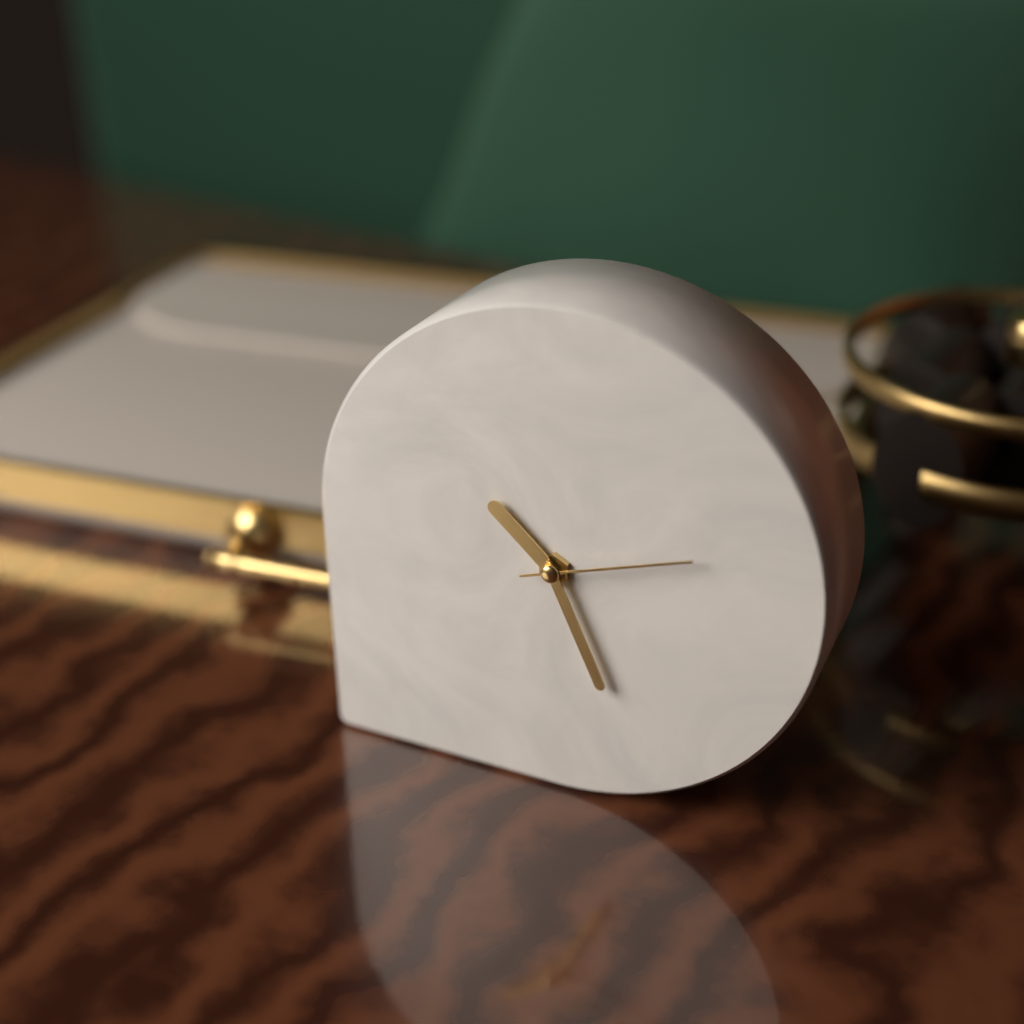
**10:26:12**
